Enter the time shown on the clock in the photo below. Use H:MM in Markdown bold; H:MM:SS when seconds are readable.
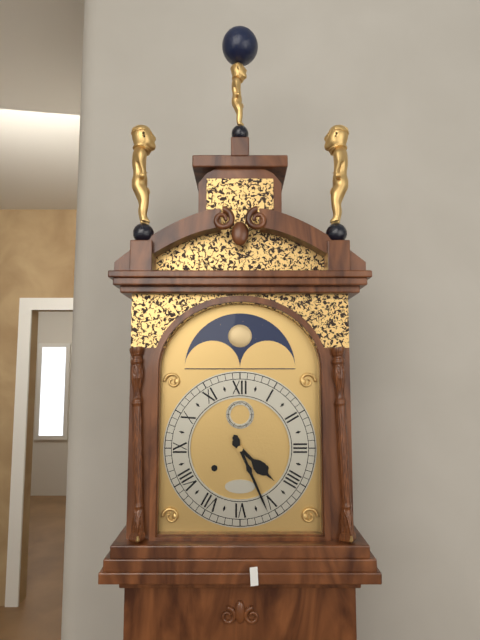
**4:26**
